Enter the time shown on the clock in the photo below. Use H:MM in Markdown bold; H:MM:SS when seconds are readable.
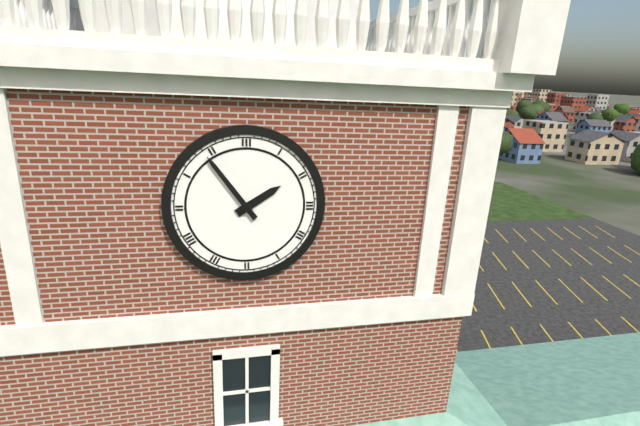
**1:54**
